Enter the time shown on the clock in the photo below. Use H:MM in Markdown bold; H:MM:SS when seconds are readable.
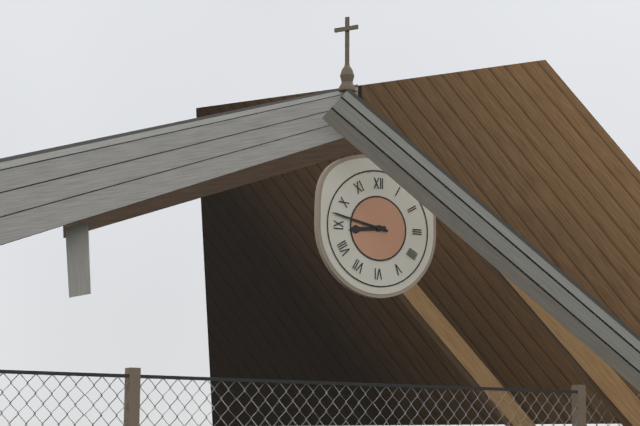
**8:47**
